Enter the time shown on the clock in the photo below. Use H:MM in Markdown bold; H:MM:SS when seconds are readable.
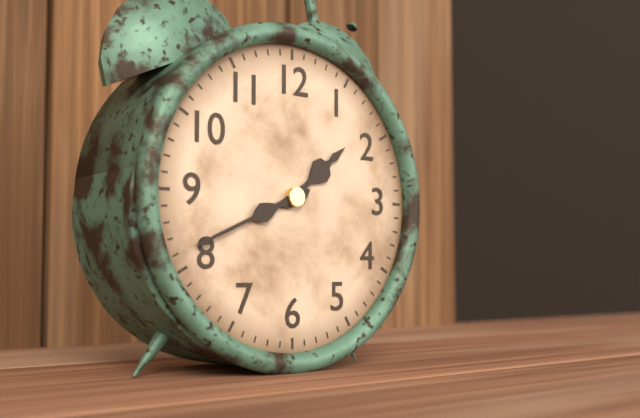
**1:41**
